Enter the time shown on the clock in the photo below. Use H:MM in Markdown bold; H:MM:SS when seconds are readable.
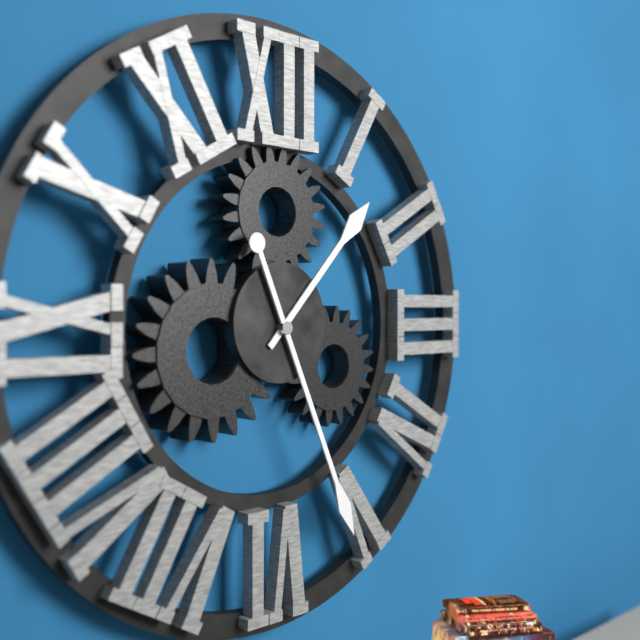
**1:26**
